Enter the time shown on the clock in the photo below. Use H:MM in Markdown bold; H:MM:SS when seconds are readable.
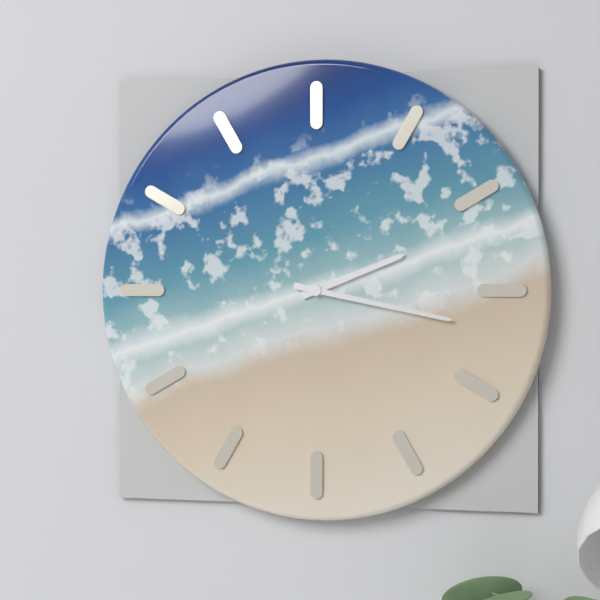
**2:17**
